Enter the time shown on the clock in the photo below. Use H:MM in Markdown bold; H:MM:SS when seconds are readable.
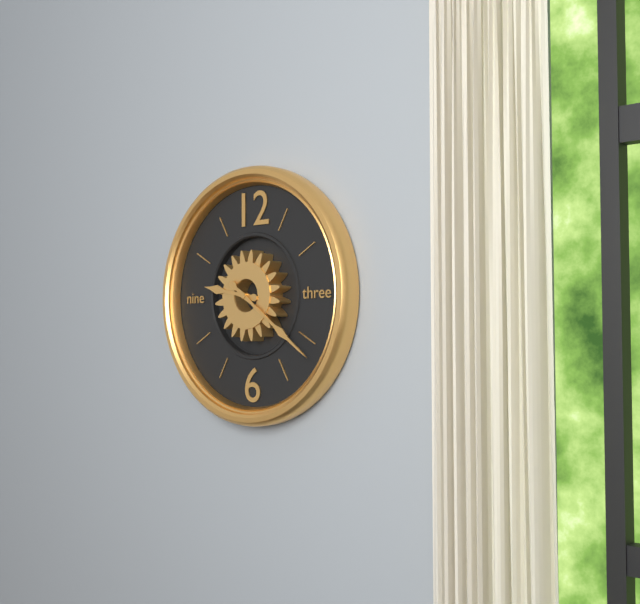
**9:21**
